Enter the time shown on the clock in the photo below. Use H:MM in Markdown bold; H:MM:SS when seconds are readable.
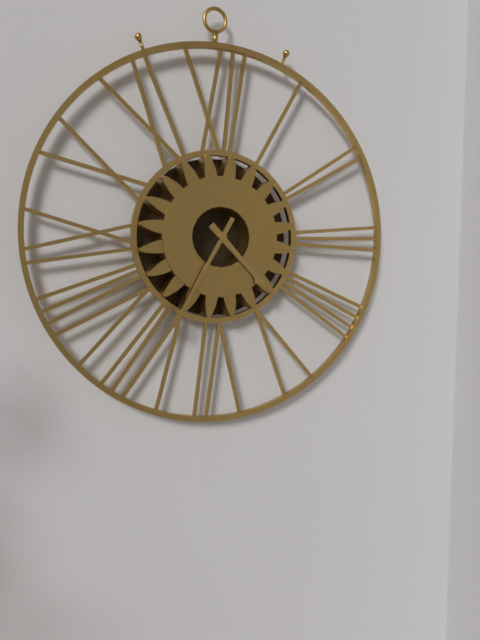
**4:35**
